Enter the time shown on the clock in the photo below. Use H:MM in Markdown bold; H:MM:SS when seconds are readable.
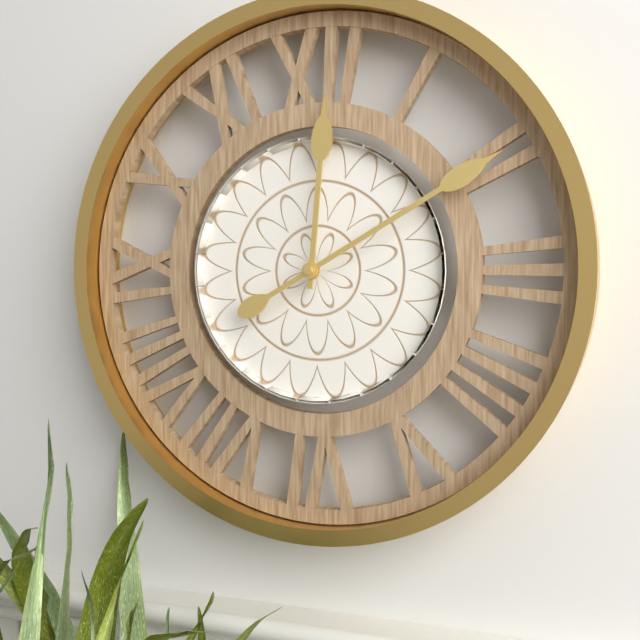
**12:10**
